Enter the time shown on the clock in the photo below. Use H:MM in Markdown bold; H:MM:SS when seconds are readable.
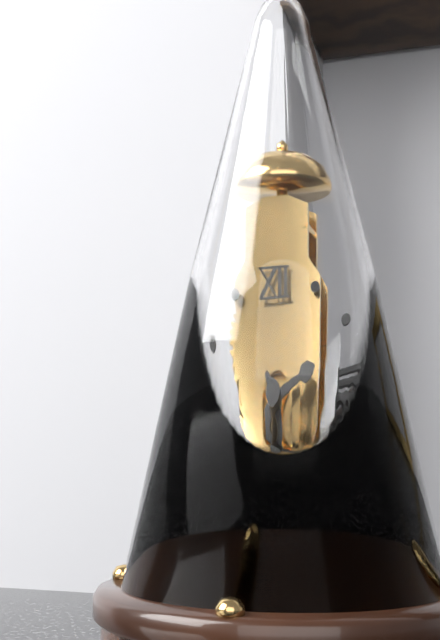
**2:25**
